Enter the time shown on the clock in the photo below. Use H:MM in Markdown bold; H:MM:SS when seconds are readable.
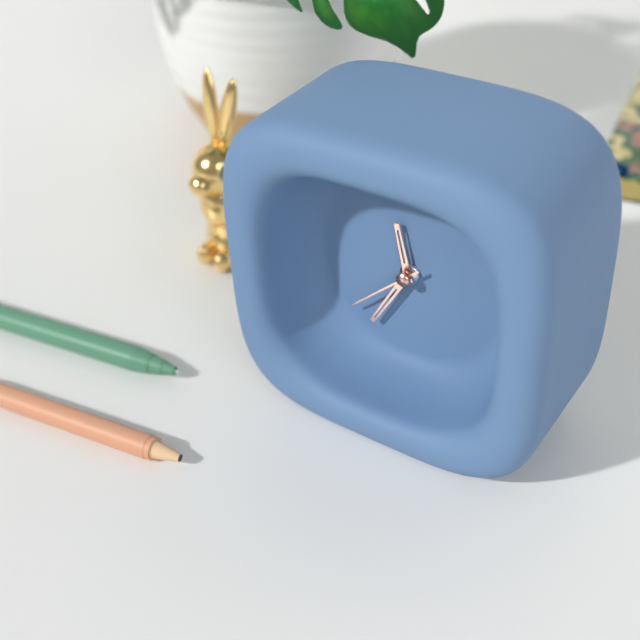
**11:35:38**
